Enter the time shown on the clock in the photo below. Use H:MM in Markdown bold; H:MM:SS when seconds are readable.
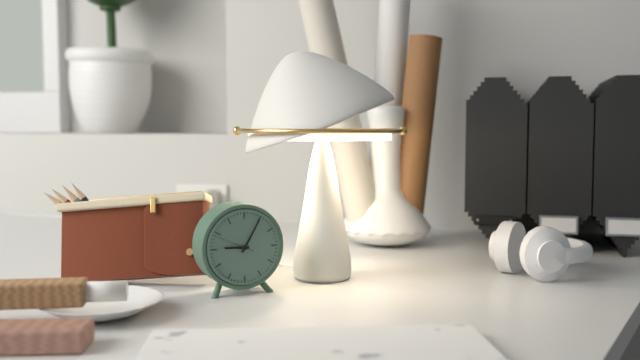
**9:05**
